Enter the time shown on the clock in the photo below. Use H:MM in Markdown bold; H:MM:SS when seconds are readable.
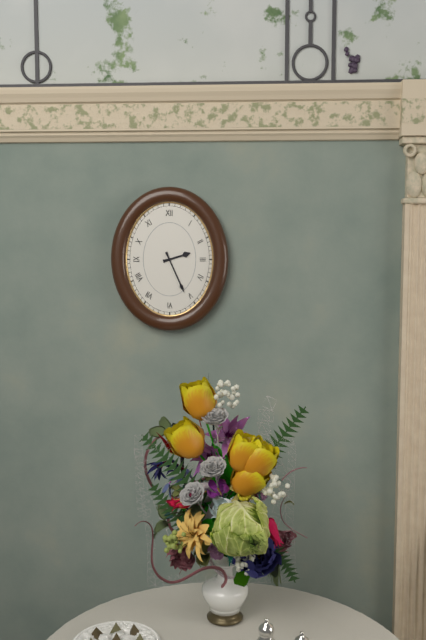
**2:26**
